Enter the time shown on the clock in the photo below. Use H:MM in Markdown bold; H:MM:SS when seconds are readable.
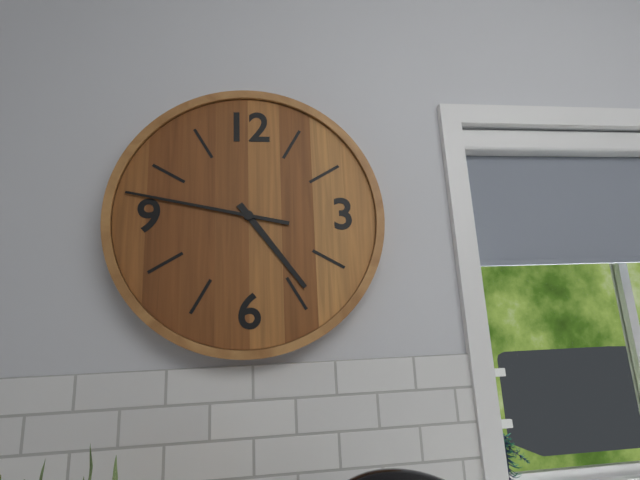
**4:47**
